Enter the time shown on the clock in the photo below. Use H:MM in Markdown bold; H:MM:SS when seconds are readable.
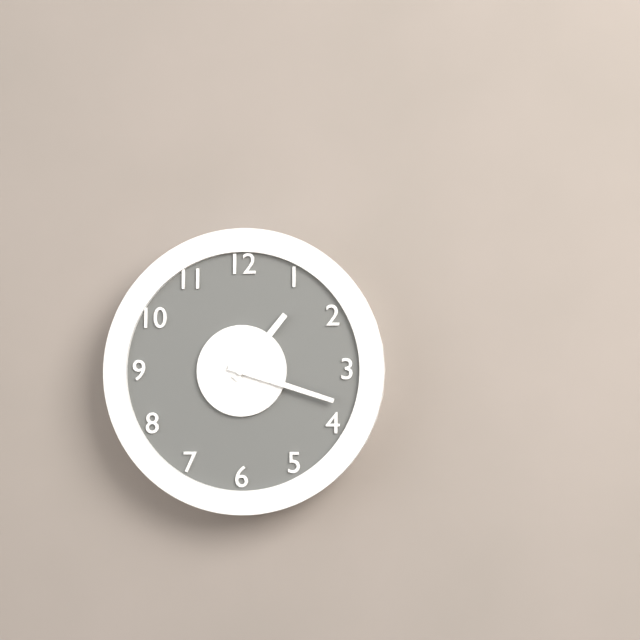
**1:18**
